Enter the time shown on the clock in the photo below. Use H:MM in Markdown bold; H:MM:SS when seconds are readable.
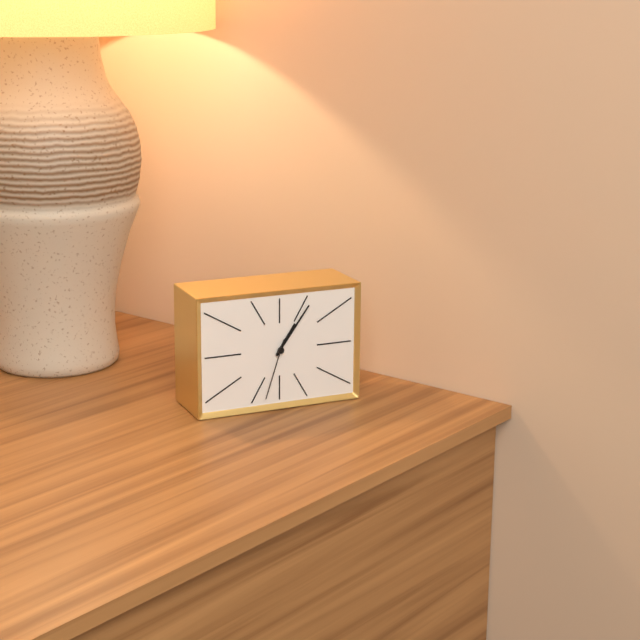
**1:06:33**
